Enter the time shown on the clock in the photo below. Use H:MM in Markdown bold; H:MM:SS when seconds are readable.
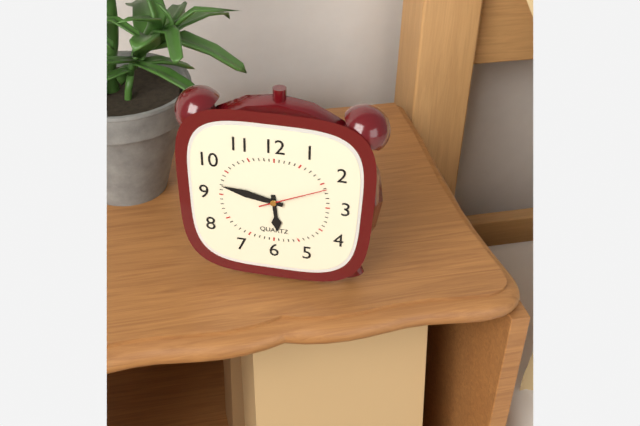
**5:47:11**
